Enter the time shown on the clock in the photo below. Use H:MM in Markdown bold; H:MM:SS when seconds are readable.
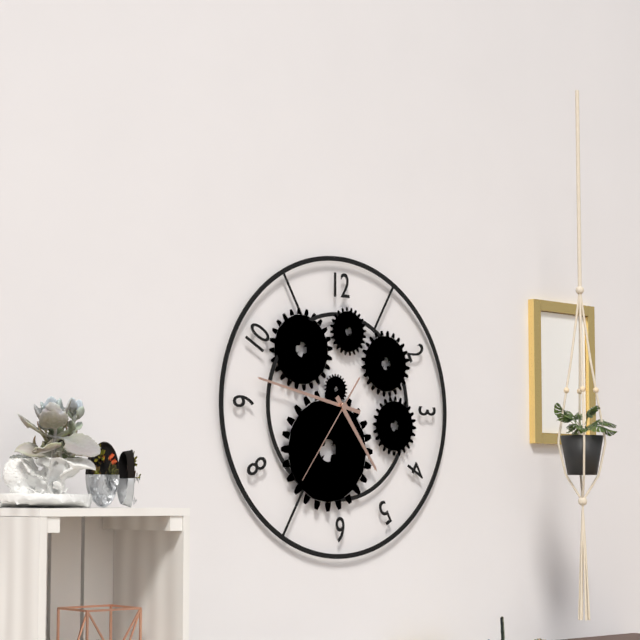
**4:47:36**
